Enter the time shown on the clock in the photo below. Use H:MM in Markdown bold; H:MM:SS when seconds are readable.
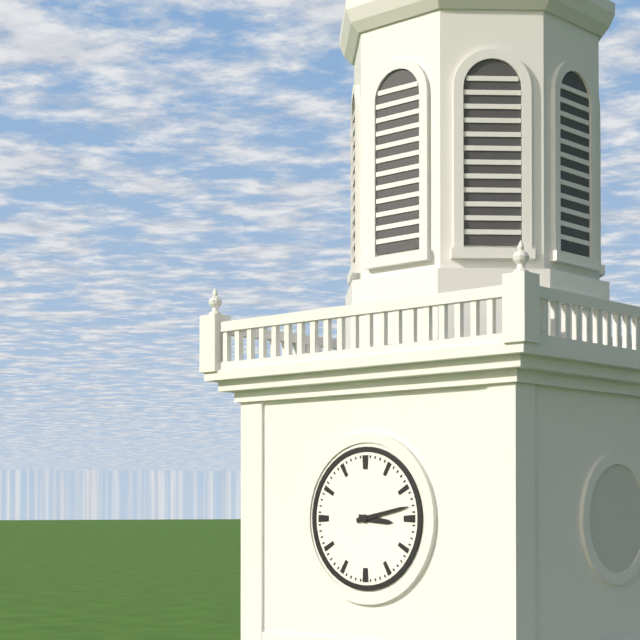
**3:13**
